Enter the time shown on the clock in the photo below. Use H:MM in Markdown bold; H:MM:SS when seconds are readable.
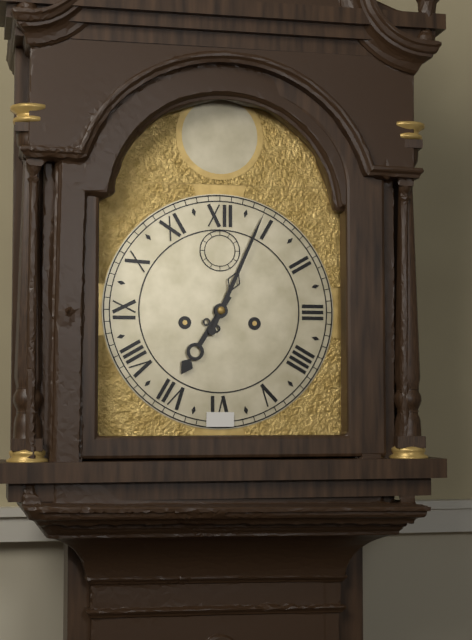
**7:04**
